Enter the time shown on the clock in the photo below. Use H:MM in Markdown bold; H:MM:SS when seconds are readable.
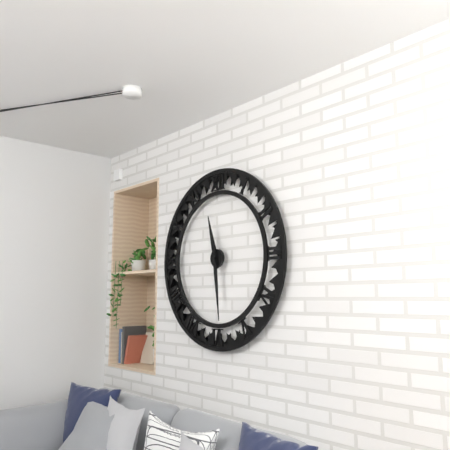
**11:29**
